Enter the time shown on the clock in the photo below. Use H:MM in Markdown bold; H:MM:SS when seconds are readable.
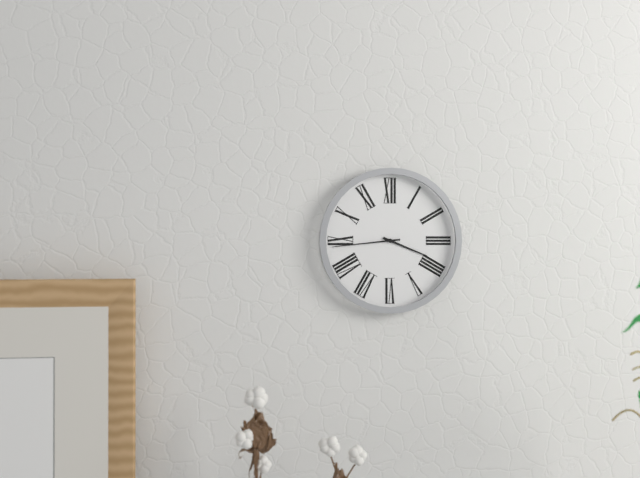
**3:44**
